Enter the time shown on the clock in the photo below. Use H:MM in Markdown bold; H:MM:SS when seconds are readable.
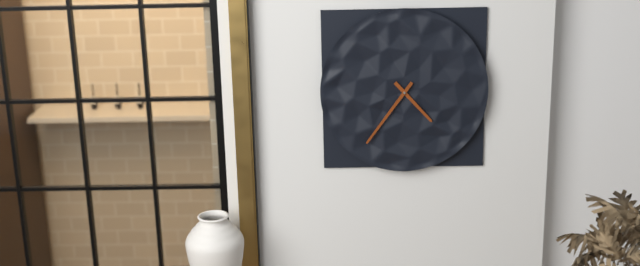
**4:36**
